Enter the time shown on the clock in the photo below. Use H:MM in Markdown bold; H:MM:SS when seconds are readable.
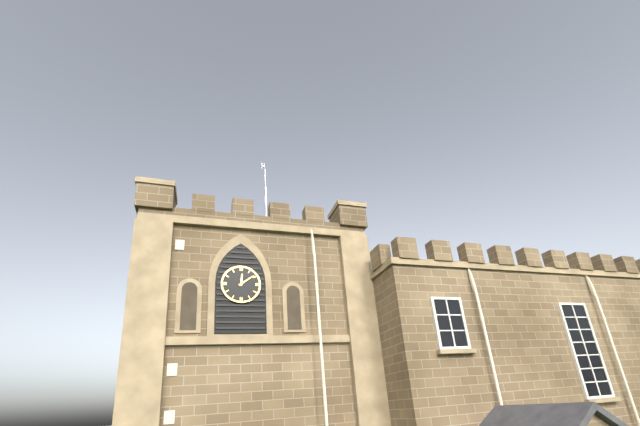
**12:09**
